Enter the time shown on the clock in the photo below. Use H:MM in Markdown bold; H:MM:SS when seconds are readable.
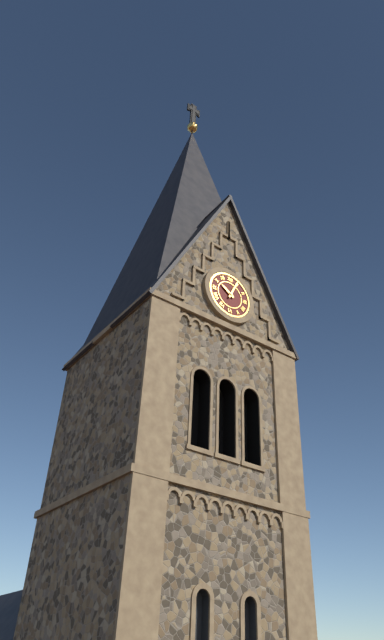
**10:04**
